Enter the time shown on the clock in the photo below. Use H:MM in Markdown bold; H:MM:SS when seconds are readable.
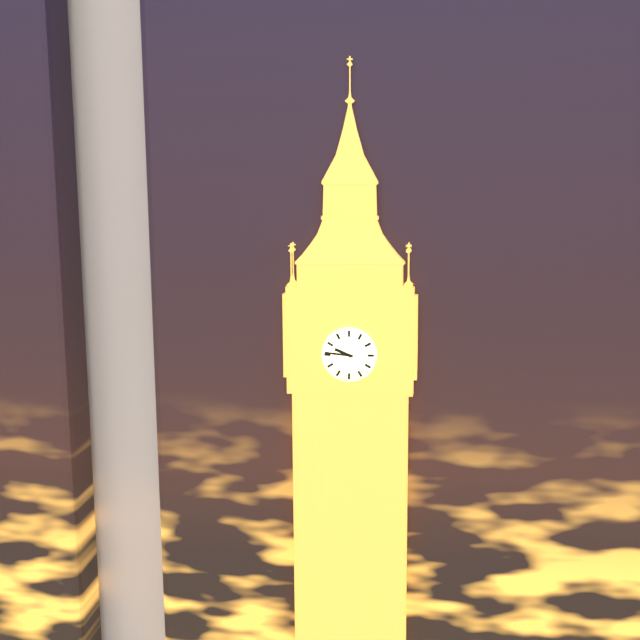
**9:46**
